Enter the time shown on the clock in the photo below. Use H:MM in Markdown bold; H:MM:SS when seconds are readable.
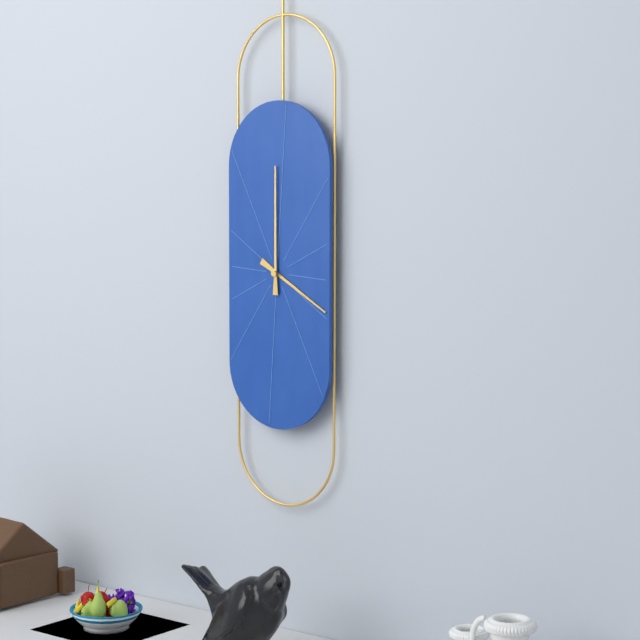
**4:00**
